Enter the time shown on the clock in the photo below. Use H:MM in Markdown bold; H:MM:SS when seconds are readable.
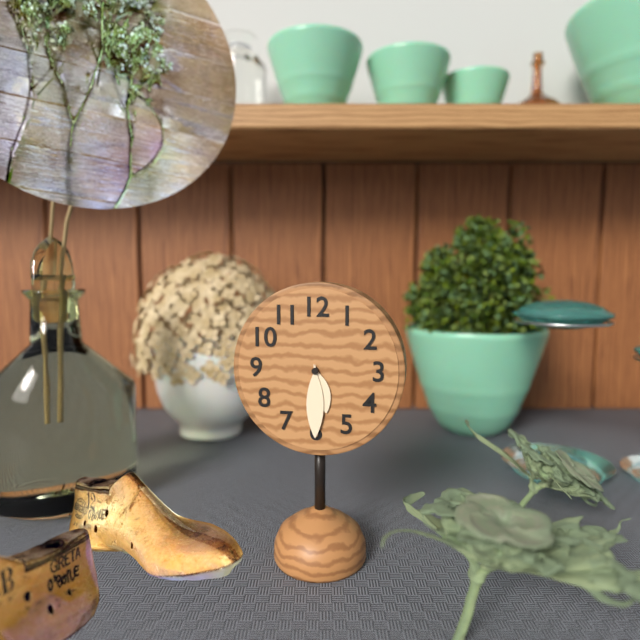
**5:30**
